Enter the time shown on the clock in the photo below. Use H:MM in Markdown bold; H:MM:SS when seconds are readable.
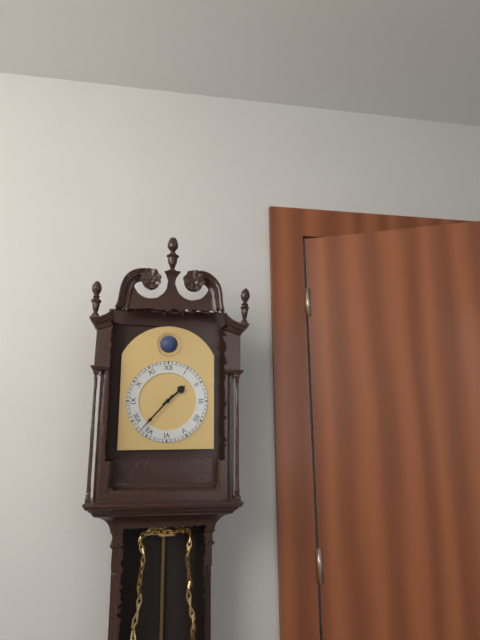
**1:37**
